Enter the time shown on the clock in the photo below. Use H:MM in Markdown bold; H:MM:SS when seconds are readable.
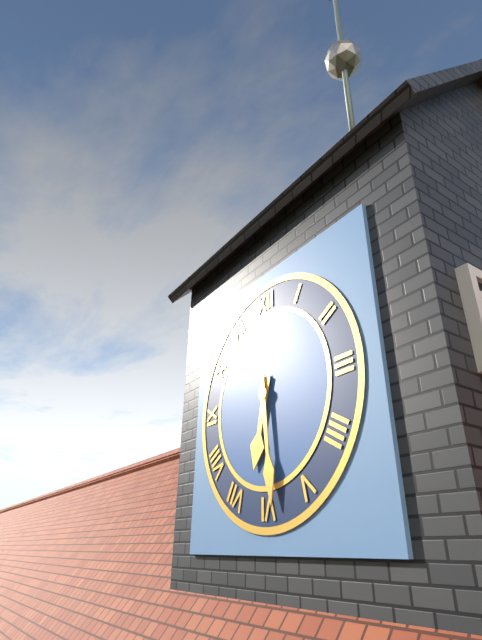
**6:29**
